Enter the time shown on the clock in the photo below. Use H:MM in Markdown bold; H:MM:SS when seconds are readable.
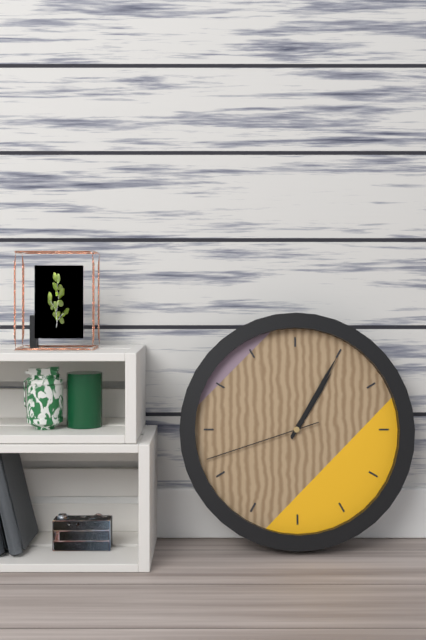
**1:05:42**
